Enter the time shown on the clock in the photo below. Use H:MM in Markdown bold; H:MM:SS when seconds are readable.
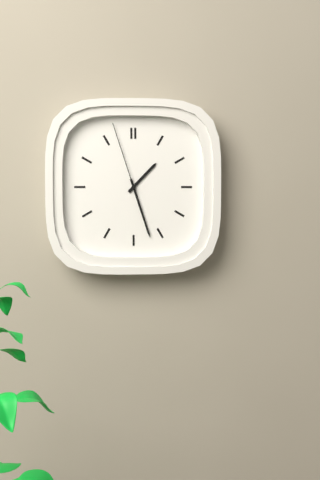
**1:27:57**
